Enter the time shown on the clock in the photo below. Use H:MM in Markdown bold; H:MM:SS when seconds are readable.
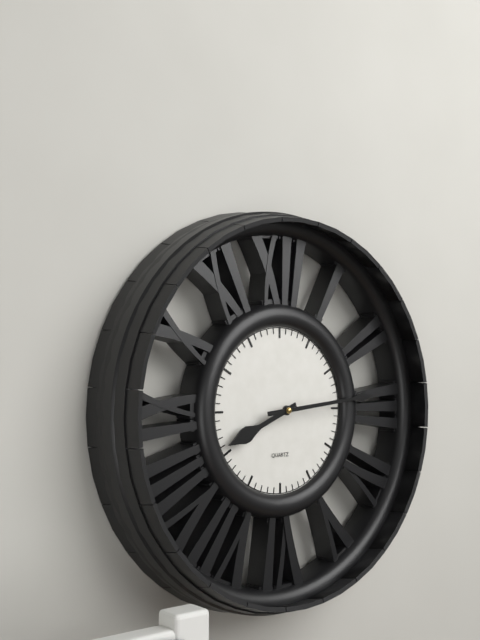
**8:14**
